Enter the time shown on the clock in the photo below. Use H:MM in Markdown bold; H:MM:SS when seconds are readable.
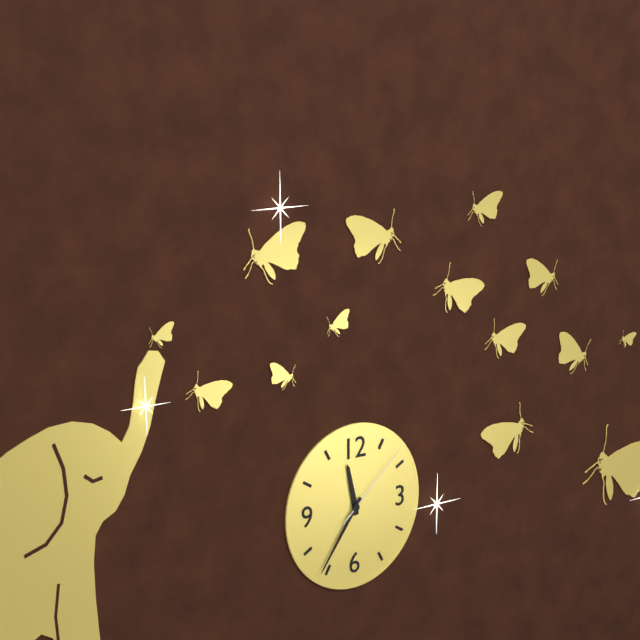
**11:36:08**
